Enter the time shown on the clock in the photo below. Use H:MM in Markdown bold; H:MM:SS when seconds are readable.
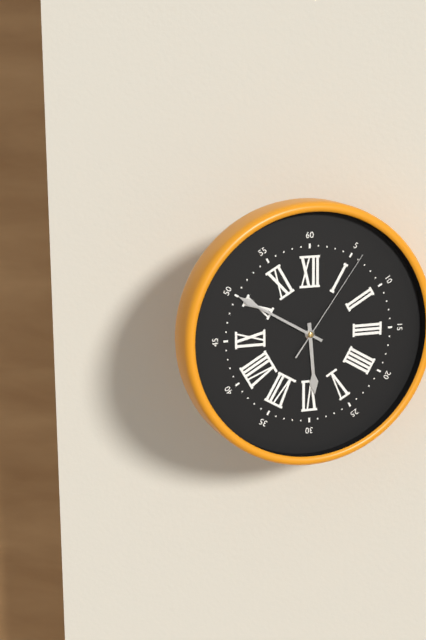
**5:50:06**
